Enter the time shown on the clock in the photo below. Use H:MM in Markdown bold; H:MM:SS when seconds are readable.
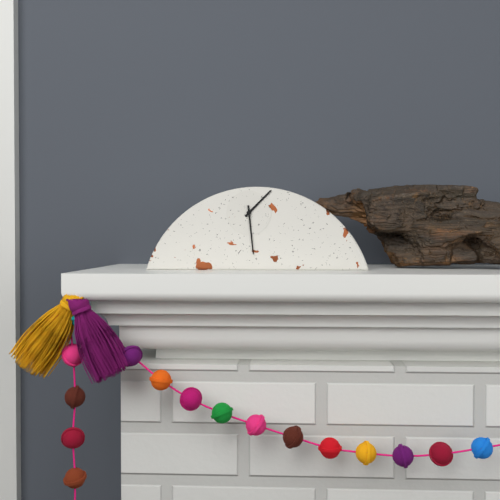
**1:29**
